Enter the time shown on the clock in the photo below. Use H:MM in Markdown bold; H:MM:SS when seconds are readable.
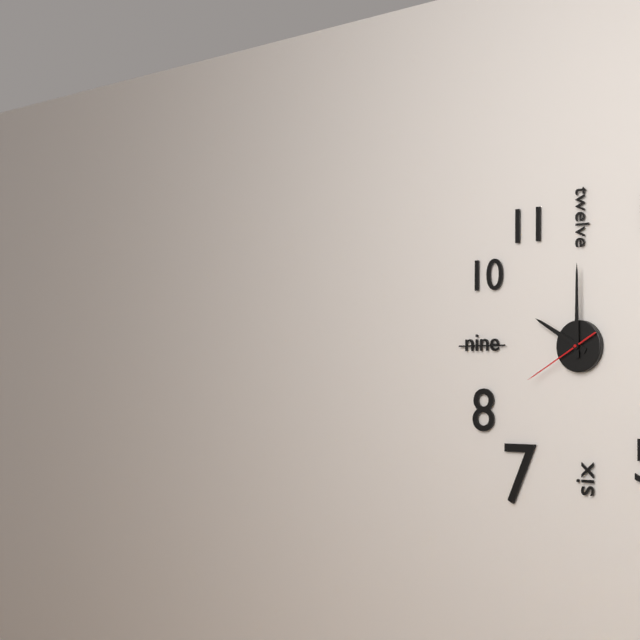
**10:00:40**
